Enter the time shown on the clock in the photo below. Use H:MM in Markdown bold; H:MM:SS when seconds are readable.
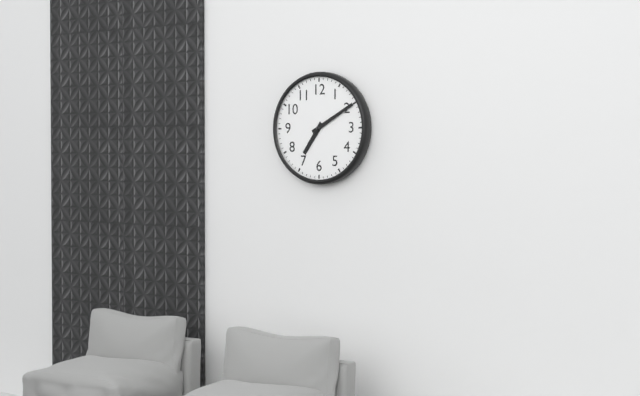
**7:10**
